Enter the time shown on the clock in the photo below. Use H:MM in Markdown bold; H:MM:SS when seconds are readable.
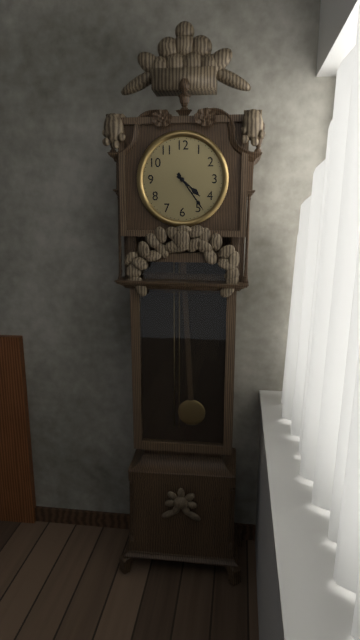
**4:24**
